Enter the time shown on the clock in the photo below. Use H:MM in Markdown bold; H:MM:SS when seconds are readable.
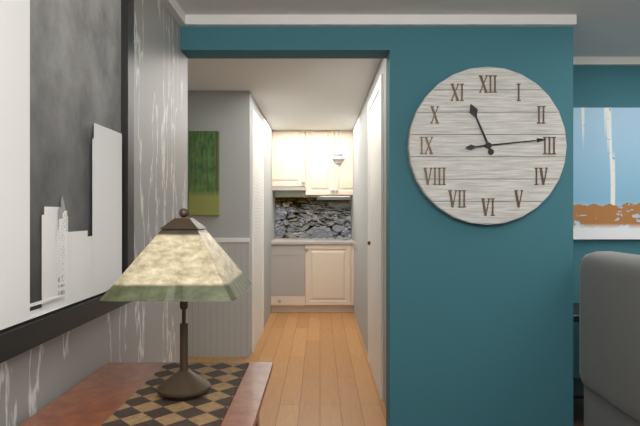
**11:14**
